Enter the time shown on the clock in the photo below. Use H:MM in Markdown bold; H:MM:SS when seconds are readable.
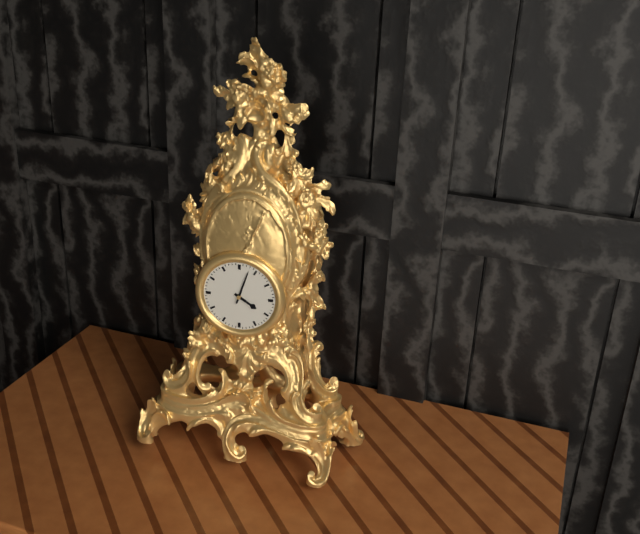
**4:03**
